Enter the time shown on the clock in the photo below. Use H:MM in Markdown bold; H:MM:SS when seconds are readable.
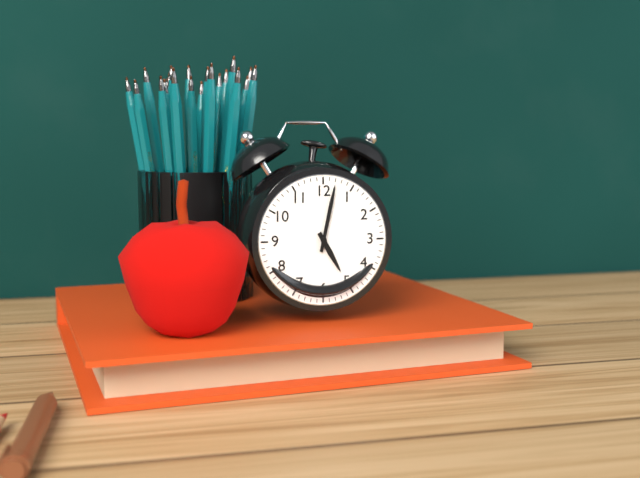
**5:02**
